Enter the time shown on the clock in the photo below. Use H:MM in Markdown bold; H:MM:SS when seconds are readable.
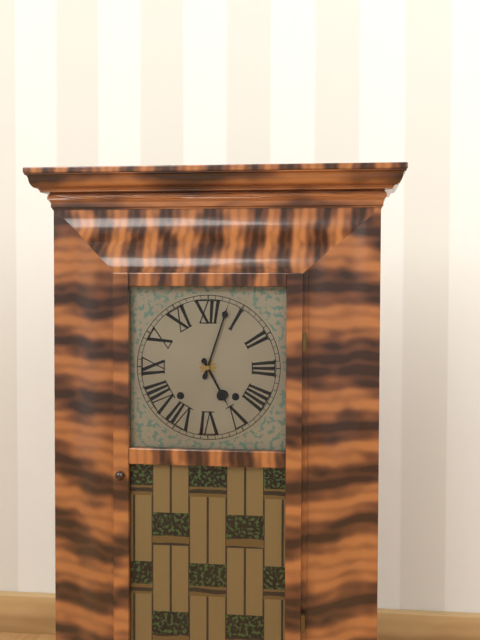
**5:03**
